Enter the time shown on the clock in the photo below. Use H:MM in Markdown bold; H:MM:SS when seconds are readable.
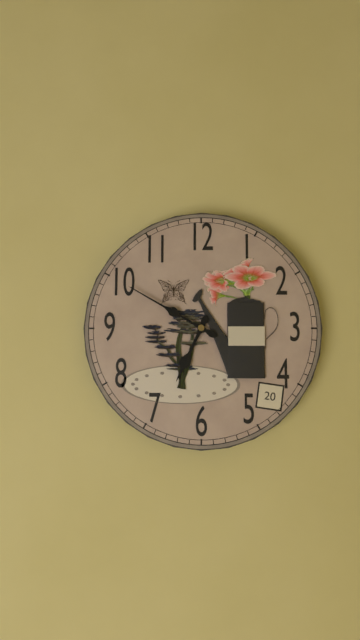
**6:50**
